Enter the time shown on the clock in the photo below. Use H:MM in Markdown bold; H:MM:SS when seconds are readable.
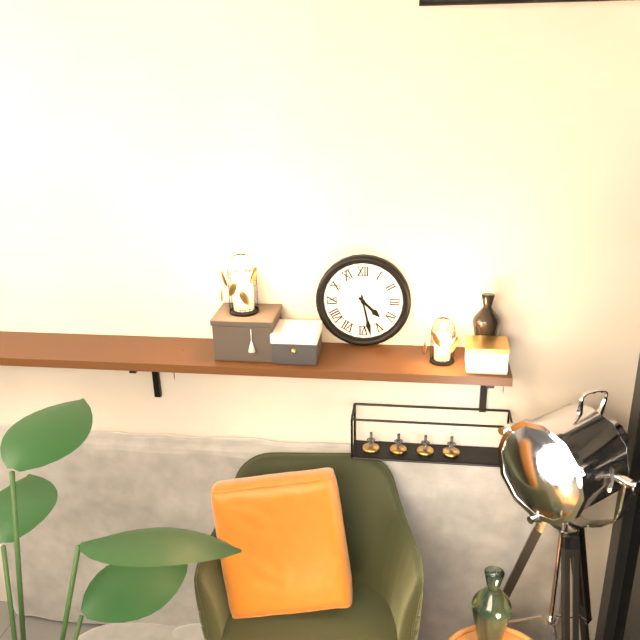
**4:28**
